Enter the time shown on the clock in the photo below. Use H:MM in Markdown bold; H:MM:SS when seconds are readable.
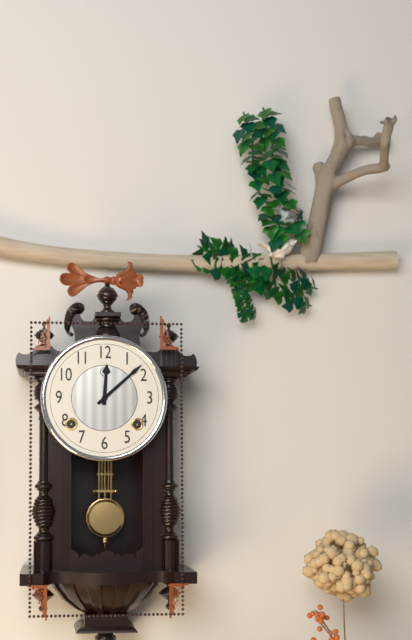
**12:08**
